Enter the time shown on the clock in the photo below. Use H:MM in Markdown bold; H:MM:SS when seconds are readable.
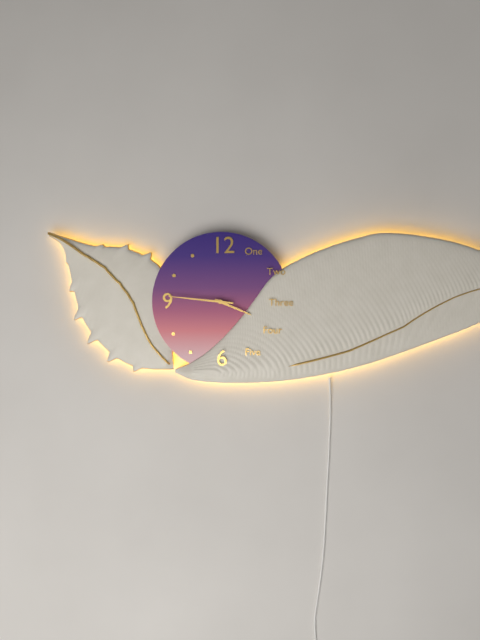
**3:46**
